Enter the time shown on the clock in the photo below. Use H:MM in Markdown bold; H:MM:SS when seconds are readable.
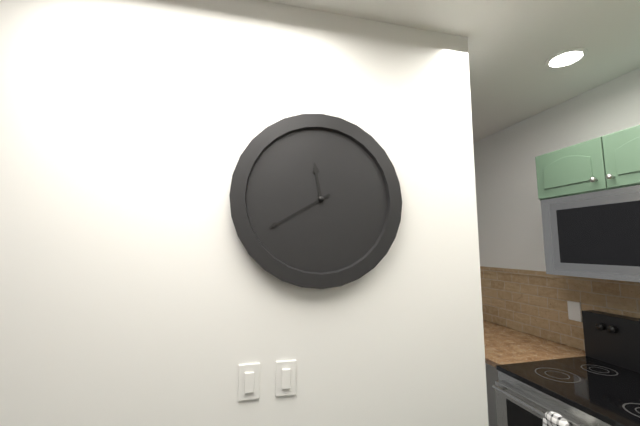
**11:40**
